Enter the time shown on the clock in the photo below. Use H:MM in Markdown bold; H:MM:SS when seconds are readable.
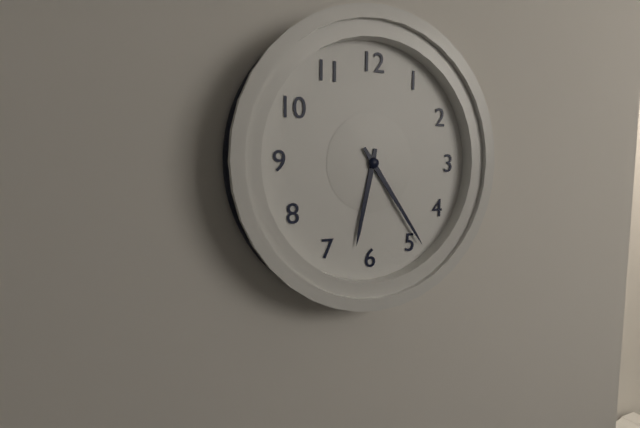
**6:24**
